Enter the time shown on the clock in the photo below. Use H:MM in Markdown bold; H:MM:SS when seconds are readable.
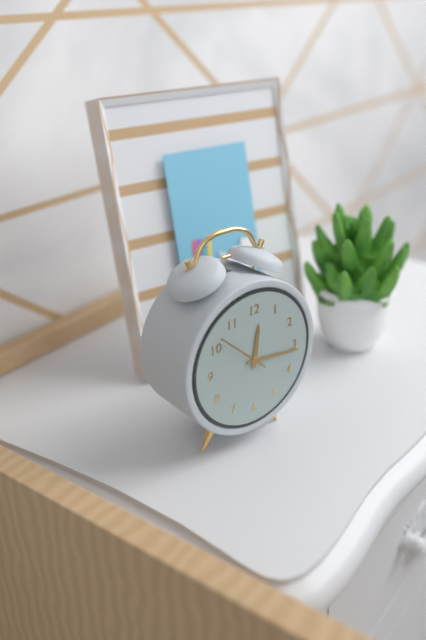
**12:16:52**
